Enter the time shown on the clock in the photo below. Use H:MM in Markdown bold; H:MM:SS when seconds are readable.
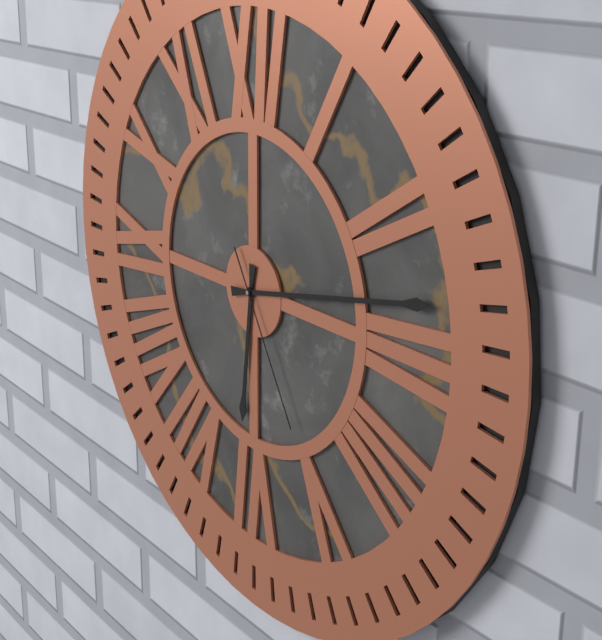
**6:13:25**
